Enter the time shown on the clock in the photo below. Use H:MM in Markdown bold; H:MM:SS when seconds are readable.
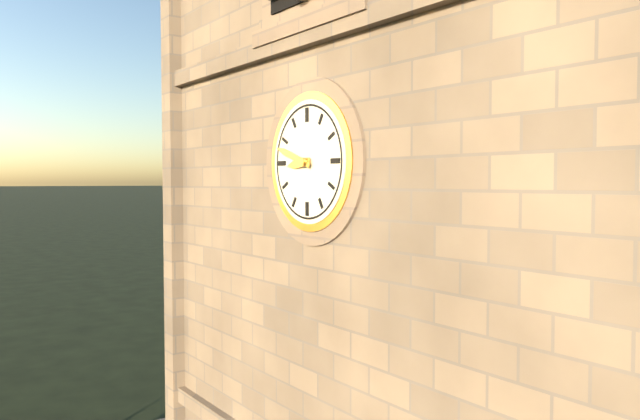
**8:48**
